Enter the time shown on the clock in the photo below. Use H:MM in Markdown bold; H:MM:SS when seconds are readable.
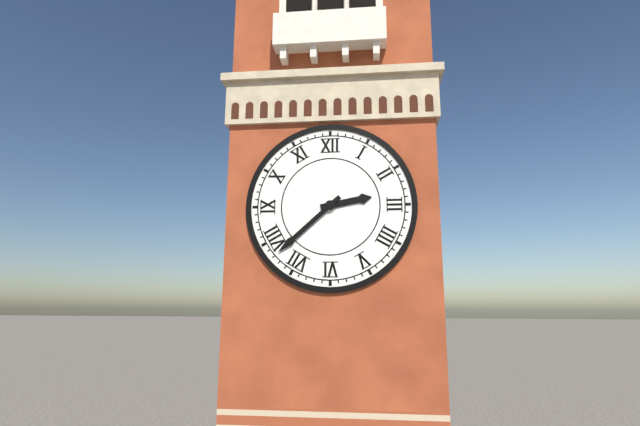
**2:38**
